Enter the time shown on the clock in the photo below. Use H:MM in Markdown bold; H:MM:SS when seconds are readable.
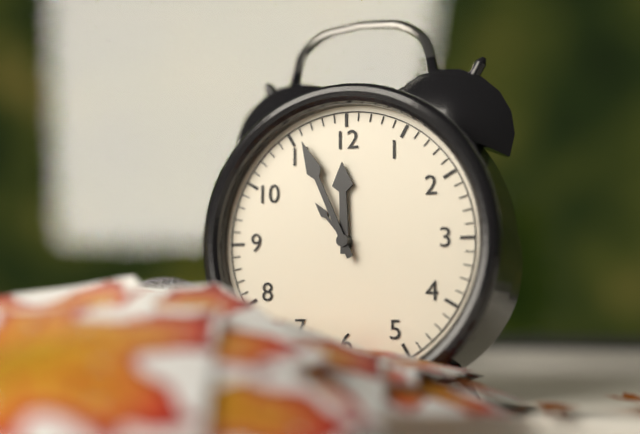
**11:56**
